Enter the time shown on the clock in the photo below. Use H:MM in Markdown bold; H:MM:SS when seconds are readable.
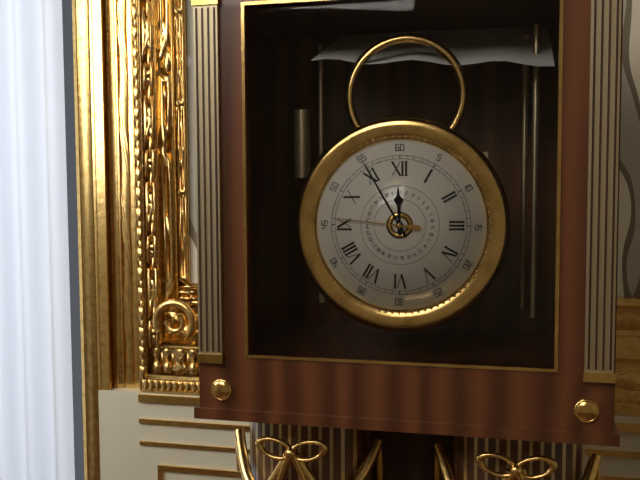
**11:55:46**
